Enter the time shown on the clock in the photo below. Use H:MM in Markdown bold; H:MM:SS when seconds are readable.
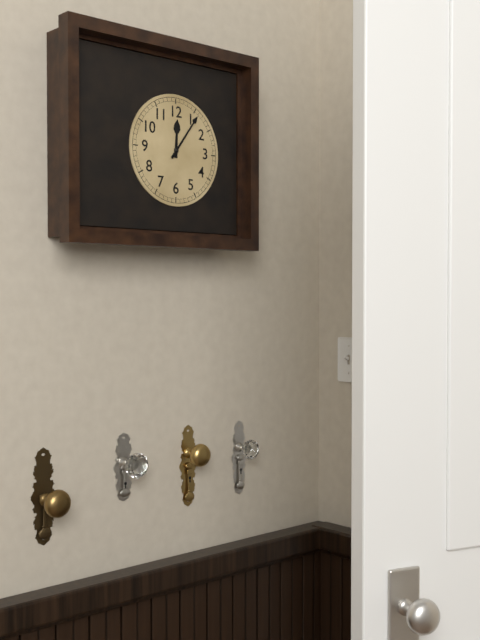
**12:06**
